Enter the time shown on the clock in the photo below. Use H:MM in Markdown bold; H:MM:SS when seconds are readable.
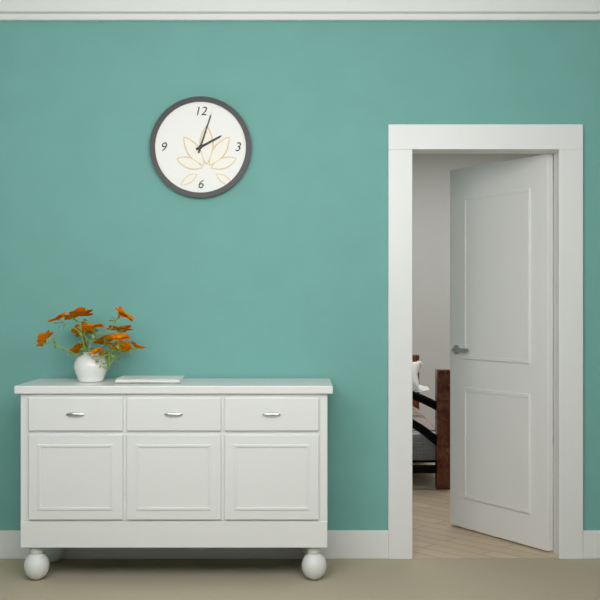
**2:03**
